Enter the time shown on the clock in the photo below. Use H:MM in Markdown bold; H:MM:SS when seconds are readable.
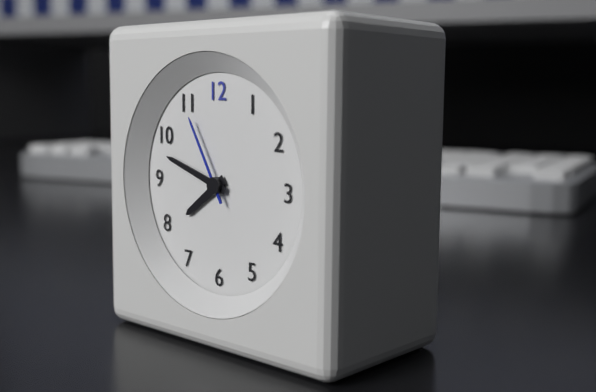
**7:48:55**
